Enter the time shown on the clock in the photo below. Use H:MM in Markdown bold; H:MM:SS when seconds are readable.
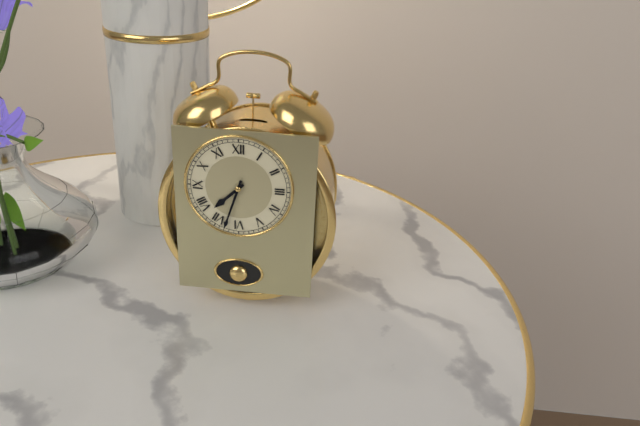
**7:33**
